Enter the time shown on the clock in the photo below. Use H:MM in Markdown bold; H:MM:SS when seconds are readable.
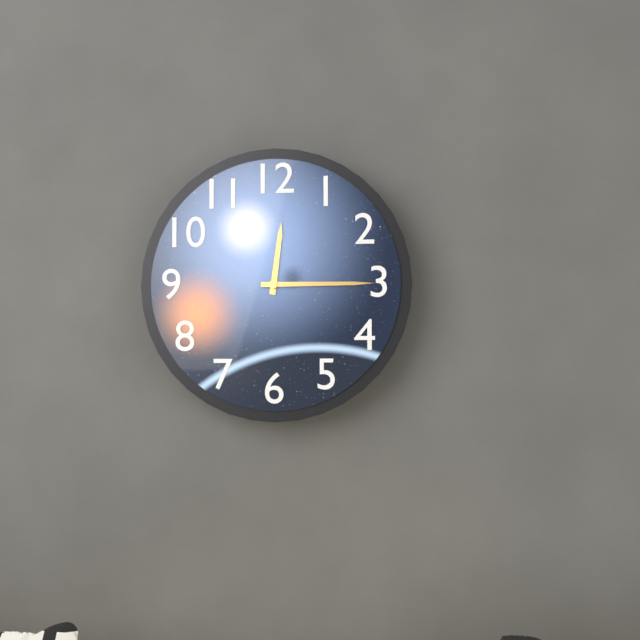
**12:15**
